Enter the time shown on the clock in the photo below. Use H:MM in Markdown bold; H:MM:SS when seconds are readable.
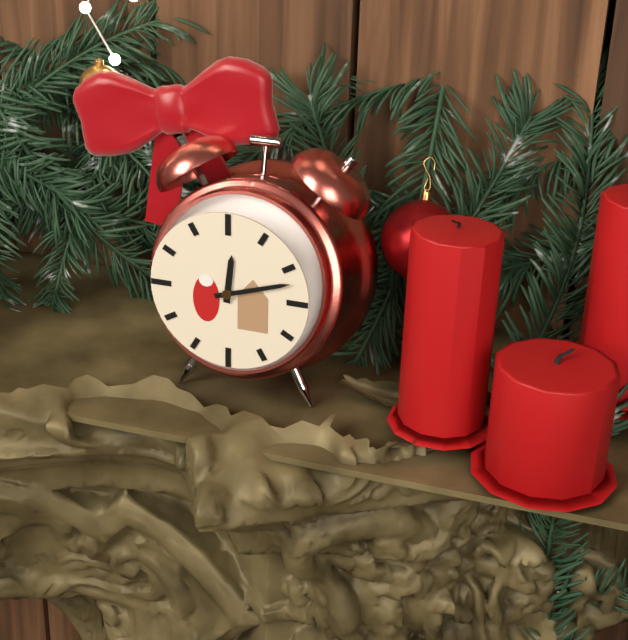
**12:12**
